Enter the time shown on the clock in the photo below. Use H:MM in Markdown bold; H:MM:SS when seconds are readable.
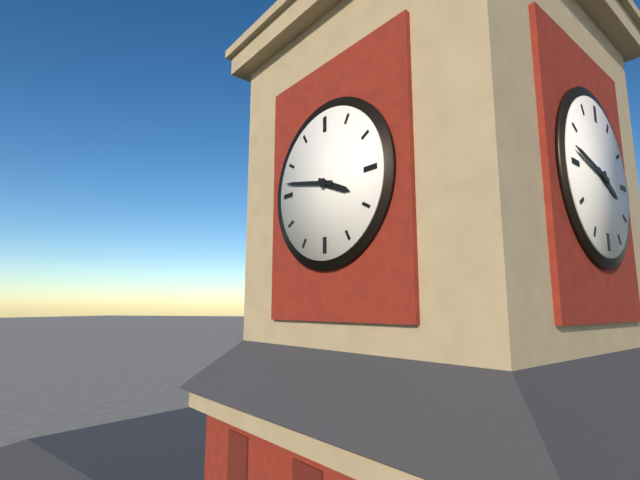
**3:47**
